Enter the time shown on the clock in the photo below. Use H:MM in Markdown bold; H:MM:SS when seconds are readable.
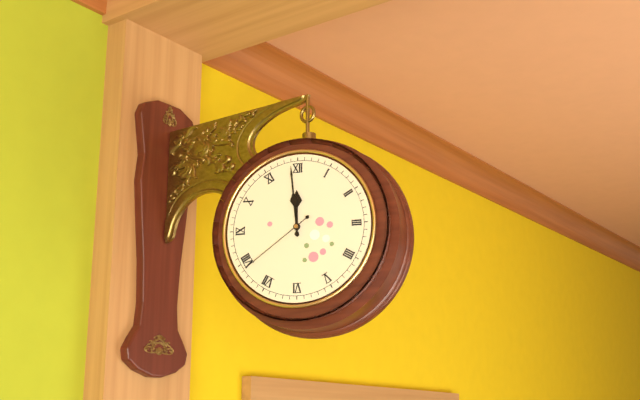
**11:59:39**
